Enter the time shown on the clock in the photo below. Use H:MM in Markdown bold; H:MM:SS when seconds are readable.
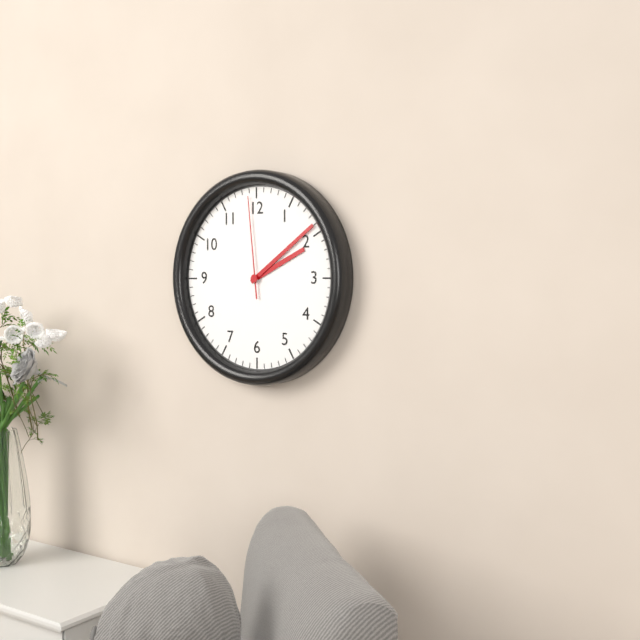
**2:09:59**
